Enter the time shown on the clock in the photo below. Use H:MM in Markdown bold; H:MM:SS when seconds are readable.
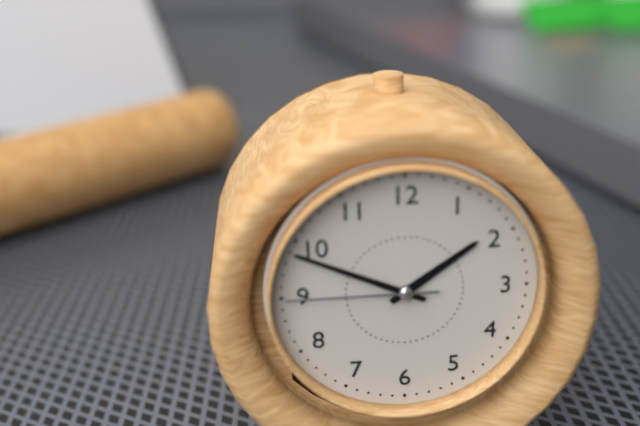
**1:49:45**
